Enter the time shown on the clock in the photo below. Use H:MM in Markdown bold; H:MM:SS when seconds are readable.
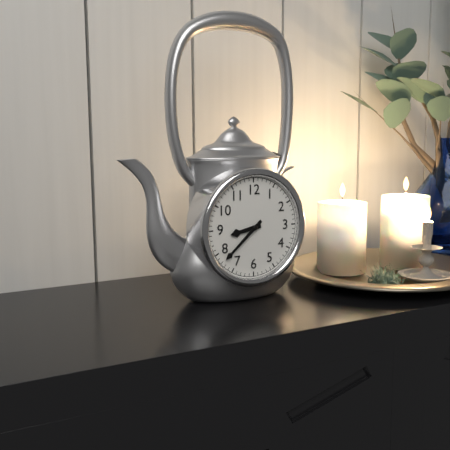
**8:38**
